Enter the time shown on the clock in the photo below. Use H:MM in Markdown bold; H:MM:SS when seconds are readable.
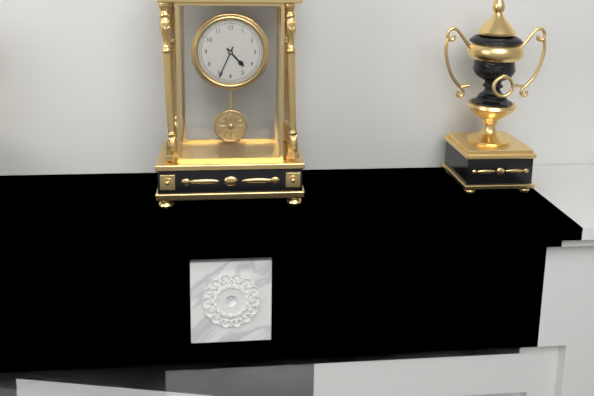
**4:34**
